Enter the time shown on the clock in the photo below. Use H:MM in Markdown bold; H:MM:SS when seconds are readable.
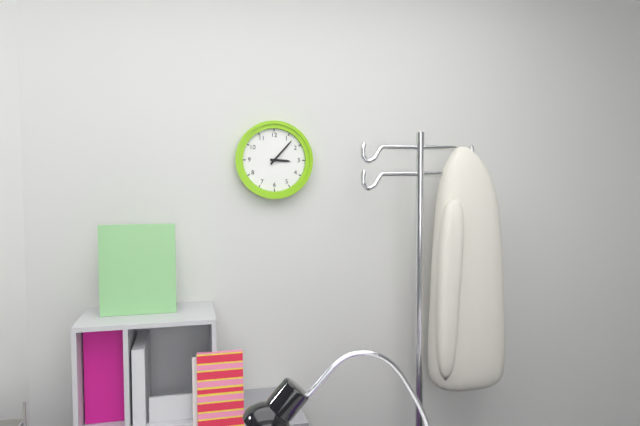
**3:07**
